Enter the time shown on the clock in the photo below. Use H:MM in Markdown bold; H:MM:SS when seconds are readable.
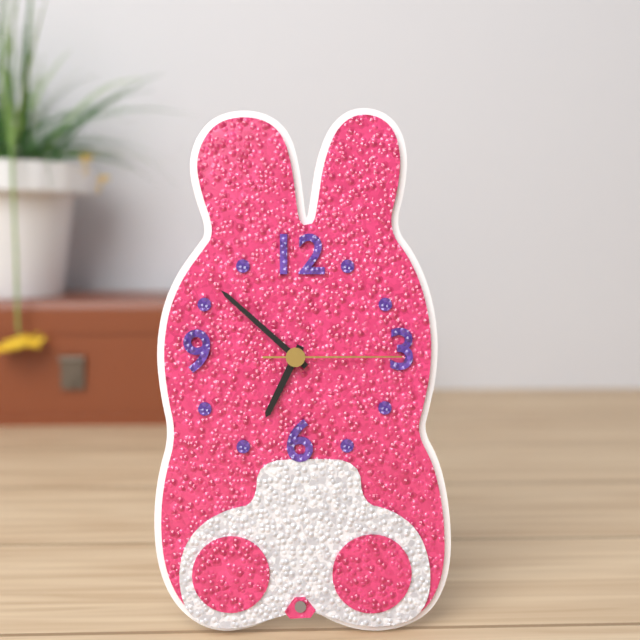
**6:52:15**
